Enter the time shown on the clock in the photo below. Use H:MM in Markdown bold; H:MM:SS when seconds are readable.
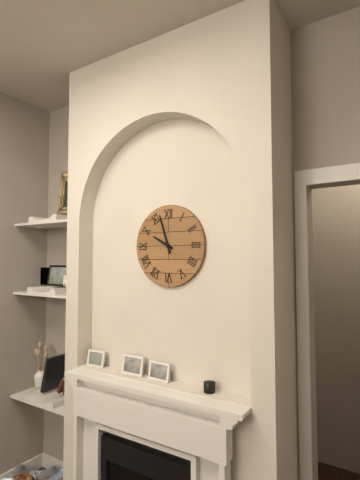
**9:57**
